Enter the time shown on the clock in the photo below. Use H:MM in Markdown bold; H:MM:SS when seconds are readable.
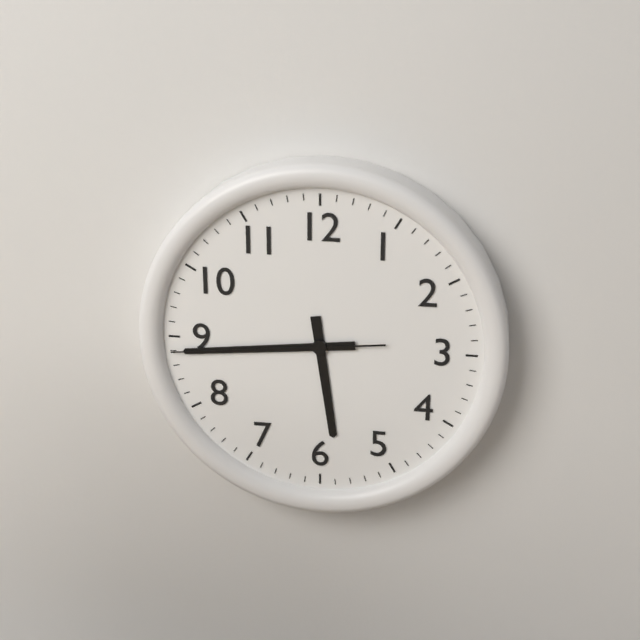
**5:44:44**
